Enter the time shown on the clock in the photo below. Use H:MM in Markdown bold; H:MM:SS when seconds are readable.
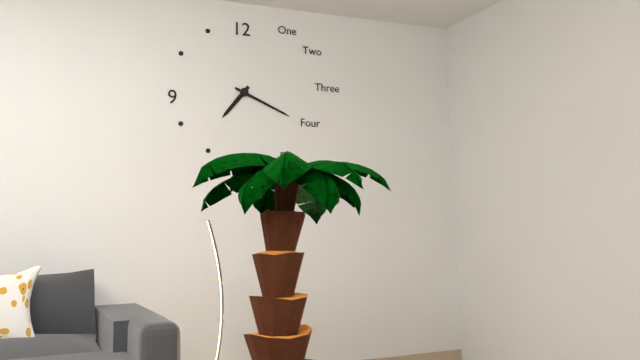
**7:19**
